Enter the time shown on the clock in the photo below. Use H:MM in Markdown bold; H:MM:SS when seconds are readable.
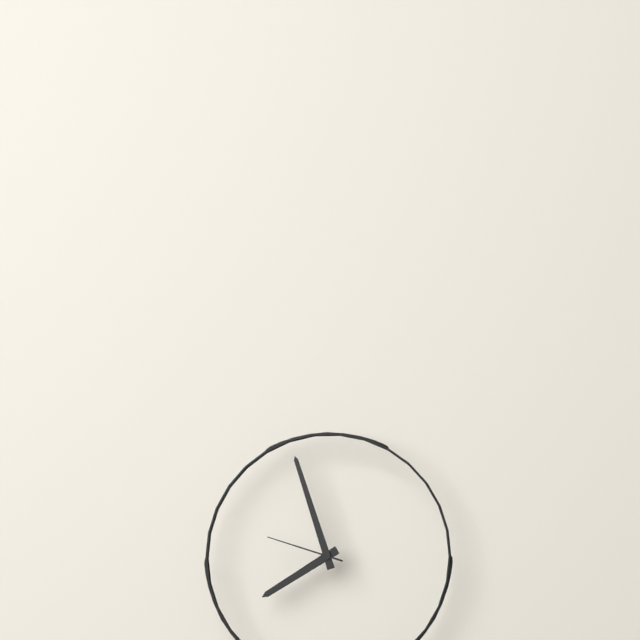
**7:57:48**
